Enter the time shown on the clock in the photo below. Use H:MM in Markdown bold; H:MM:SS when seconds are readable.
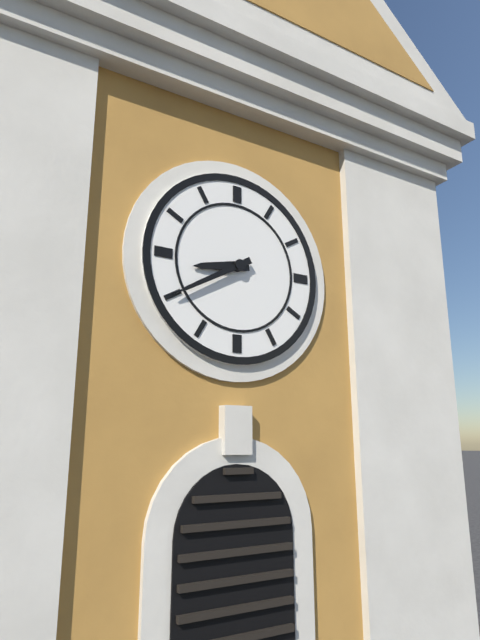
**8:40**
